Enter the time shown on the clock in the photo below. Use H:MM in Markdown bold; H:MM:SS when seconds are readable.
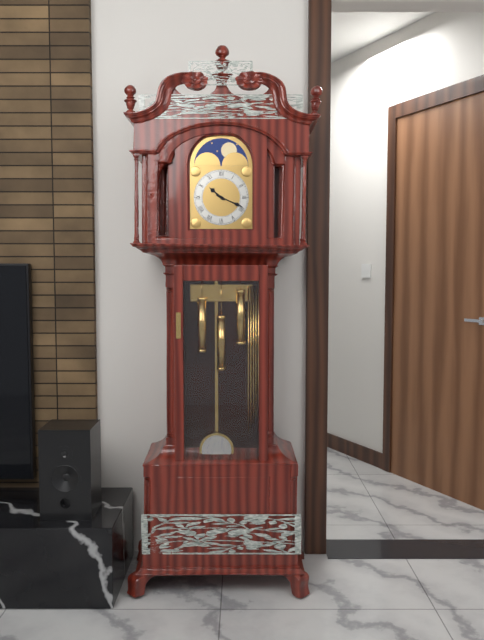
**10:19**
